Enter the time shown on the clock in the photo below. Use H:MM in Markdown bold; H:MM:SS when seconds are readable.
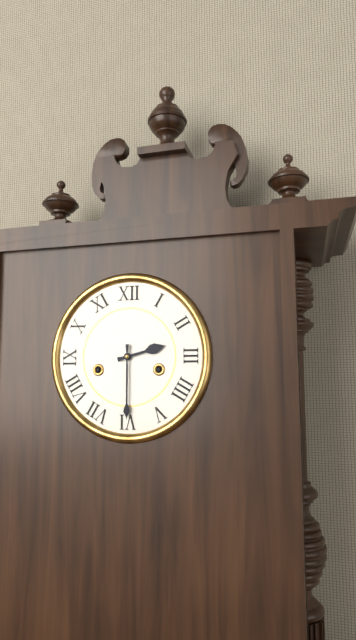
**2:30**
